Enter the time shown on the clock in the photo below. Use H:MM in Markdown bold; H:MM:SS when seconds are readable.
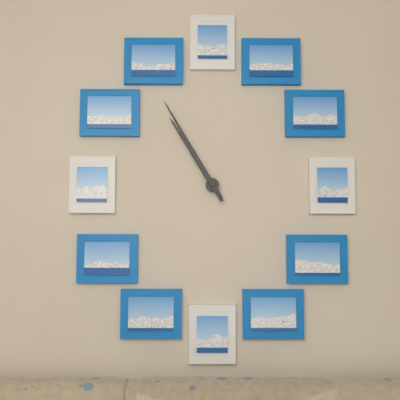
**10:55**
